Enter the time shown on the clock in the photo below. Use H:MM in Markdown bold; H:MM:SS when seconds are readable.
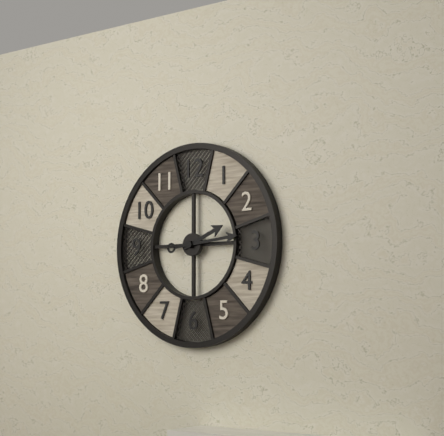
**2:14**
